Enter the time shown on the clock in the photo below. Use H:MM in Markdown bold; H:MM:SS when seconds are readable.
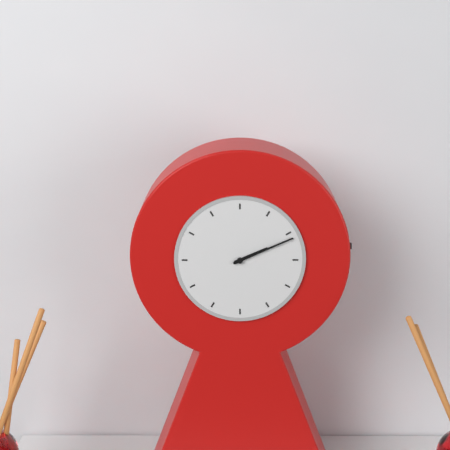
**2:11**
